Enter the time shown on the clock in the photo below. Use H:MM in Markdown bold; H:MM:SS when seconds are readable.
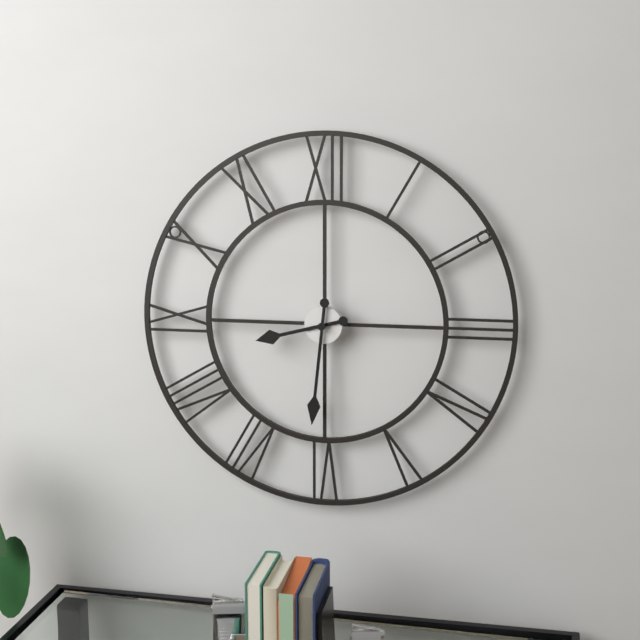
**8:31**
